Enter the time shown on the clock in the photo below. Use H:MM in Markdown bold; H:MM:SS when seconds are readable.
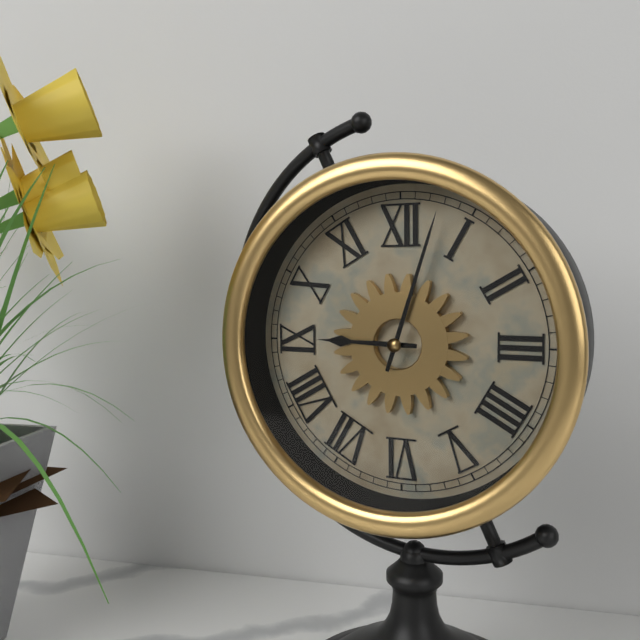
**9:03**
